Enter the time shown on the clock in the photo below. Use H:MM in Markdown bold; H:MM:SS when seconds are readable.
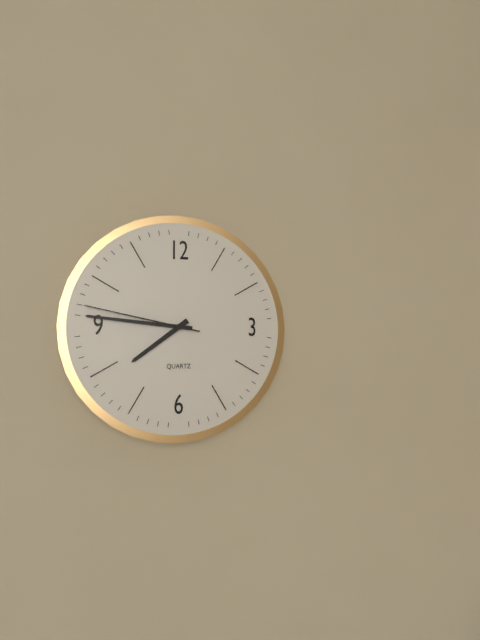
**7:46:47**
